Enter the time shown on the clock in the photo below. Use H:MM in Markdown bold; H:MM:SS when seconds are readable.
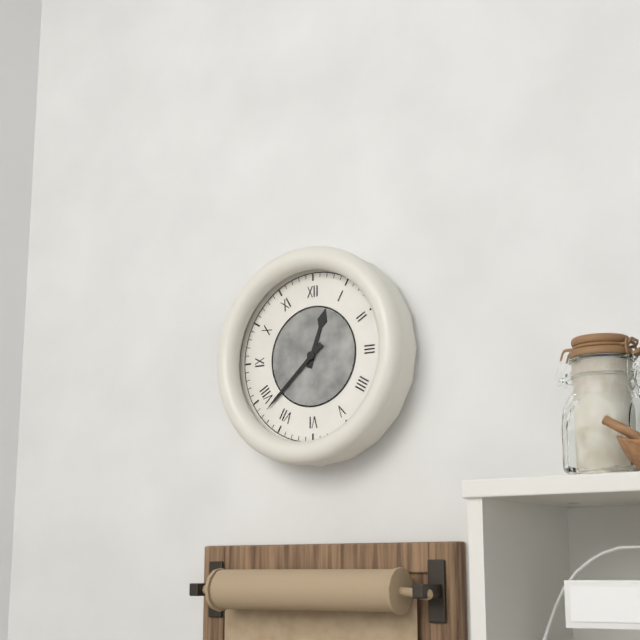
**12:38**
